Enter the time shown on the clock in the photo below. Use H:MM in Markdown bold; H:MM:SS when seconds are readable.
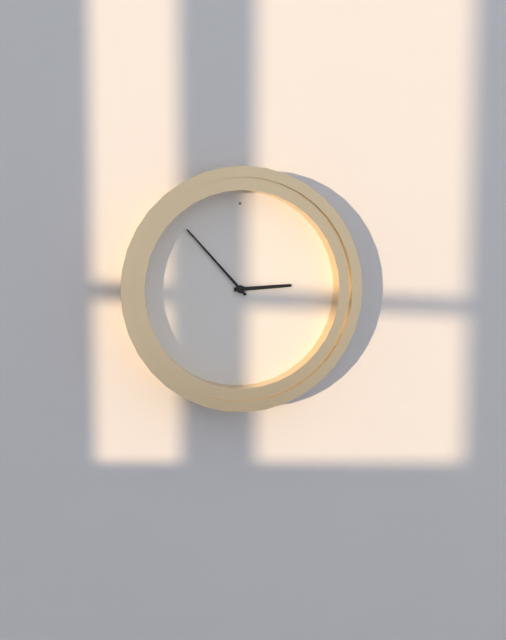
**2:53**
